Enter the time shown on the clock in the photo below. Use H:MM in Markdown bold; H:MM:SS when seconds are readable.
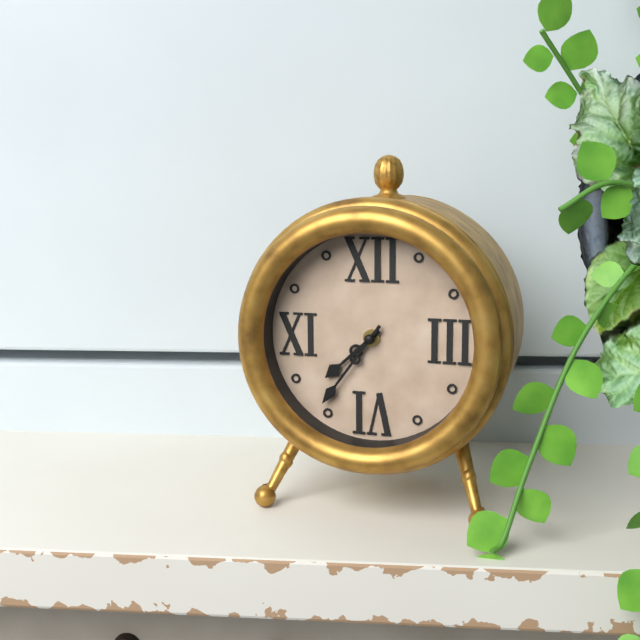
**7:36**
